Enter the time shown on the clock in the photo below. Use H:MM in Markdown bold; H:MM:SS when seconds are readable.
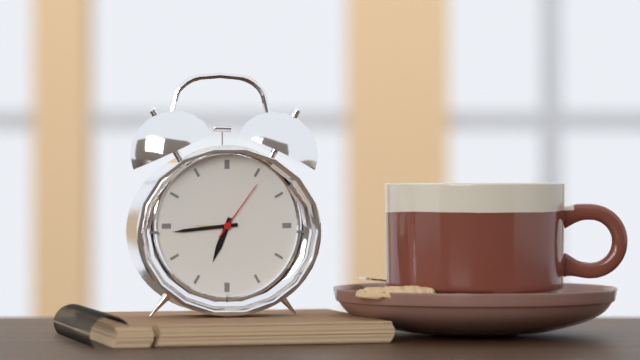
**6:44:06**
